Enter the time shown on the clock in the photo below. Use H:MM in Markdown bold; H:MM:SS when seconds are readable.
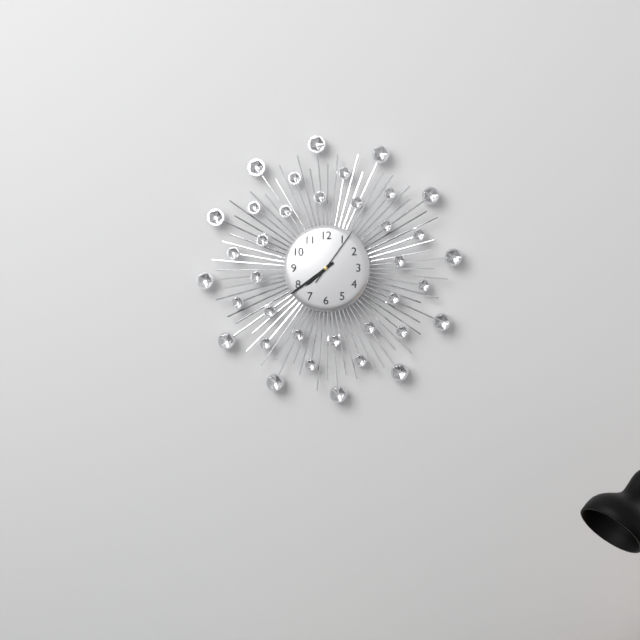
**7:39:06**
